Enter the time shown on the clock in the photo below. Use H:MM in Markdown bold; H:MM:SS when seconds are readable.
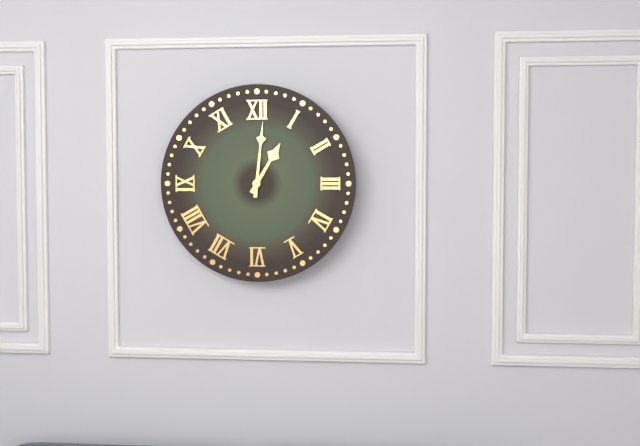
**1:01**
